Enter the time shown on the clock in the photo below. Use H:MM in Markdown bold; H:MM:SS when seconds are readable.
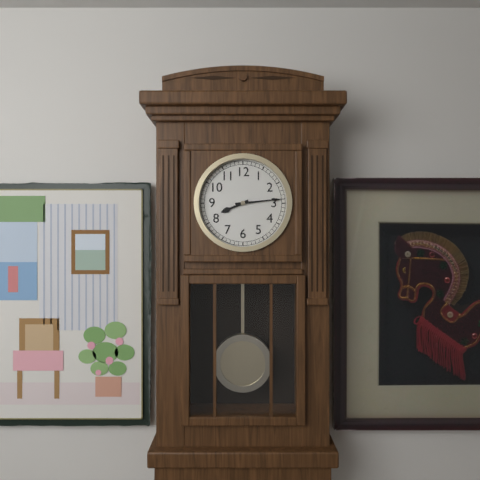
**8:14**
